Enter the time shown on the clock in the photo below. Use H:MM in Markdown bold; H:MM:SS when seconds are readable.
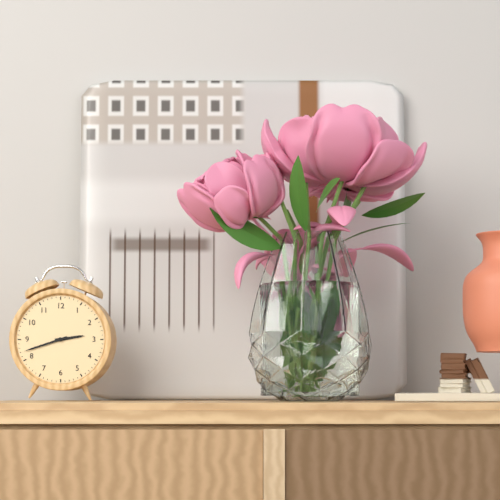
**2:42**
